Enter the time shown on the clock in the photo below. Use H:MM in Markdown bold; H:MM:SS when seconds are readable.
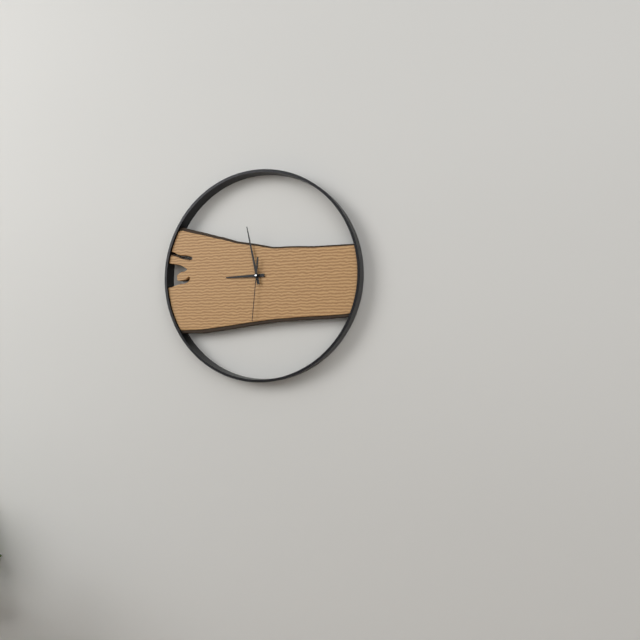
**8:58:31**
